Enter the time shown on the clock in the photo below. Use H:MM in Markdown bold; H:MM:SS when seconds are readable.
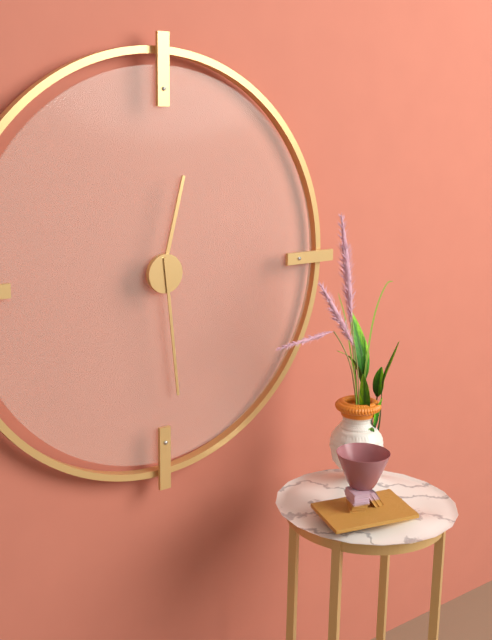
**12:29**
